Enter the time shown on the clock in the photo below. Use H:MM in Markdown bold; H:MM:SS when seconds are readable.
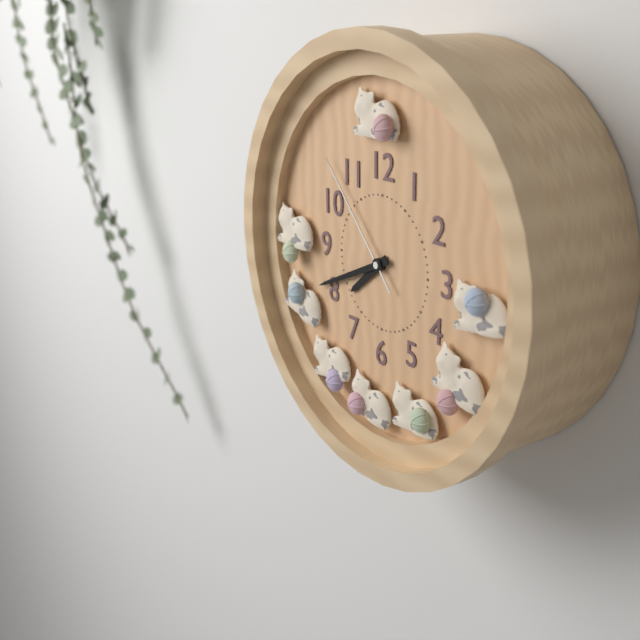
**7:41:53**
